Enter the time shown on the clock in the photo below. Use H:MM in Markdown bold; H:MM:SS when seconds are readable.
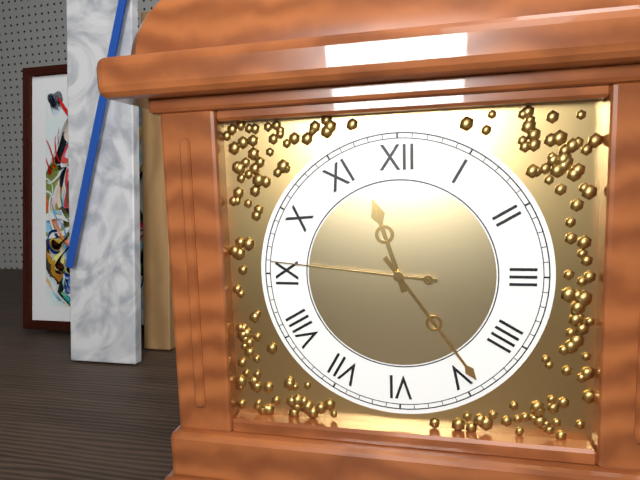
**11:24:46**
